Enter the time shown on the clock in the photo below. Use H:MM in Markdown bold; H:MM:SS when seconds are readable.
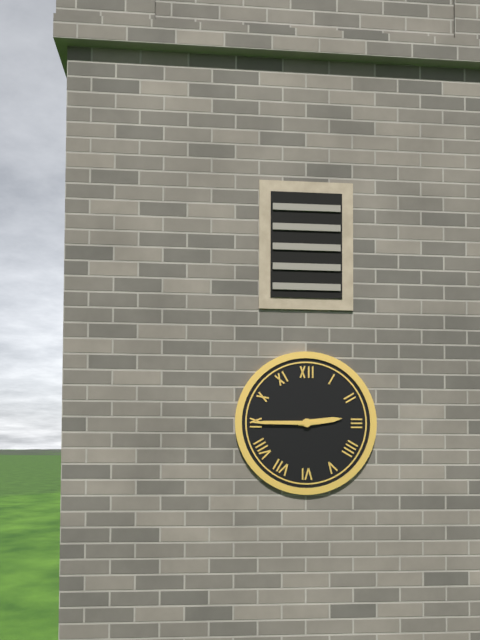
**2:45**
